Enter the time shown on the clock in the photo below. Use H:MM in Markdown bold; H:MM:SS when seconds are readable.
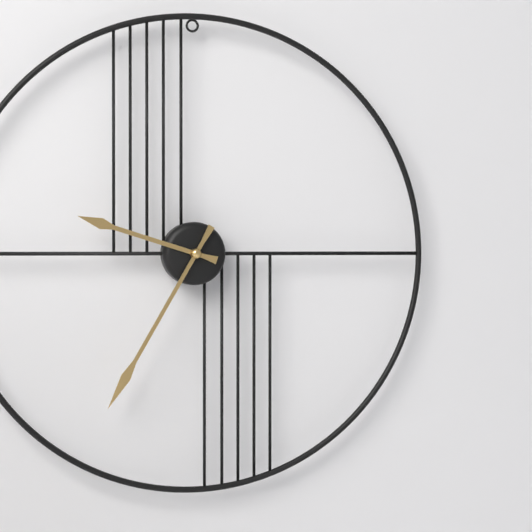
**9:35**
